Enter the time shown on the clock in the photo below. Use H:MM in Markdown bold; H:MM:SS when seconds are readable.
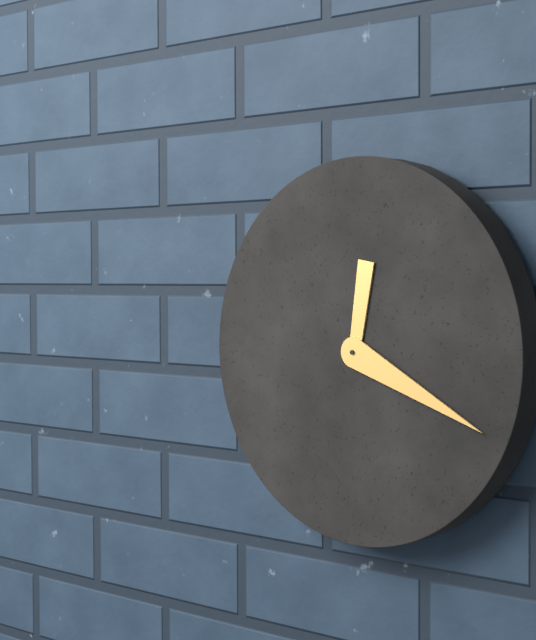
**12:19**
